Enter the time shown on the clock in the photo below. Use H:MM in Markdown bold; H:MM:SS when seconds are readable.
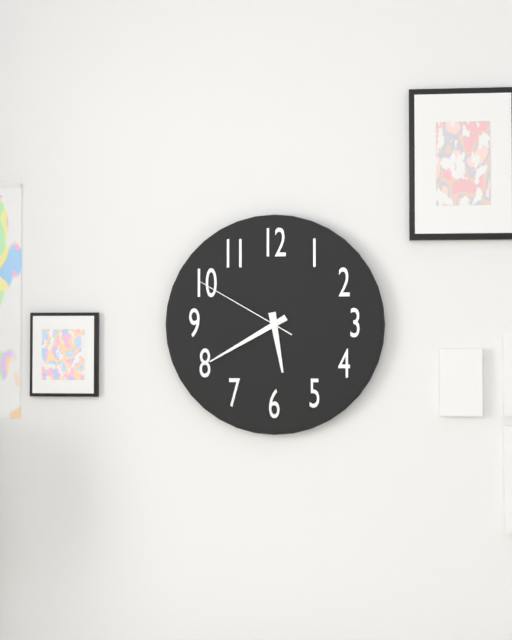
**5:40:50**
